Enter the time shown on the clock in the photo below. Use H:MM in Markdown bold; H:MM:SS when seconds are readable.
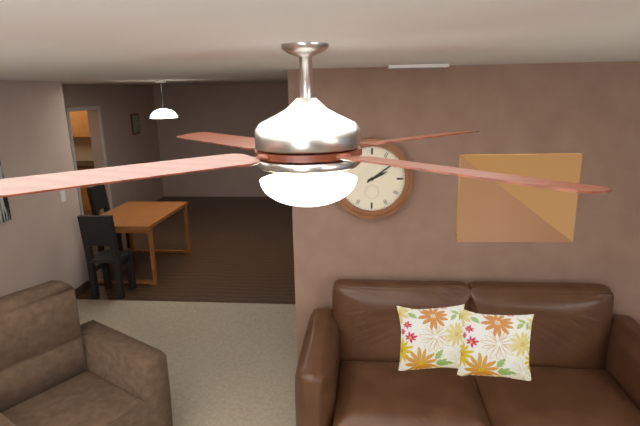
**2:09**
